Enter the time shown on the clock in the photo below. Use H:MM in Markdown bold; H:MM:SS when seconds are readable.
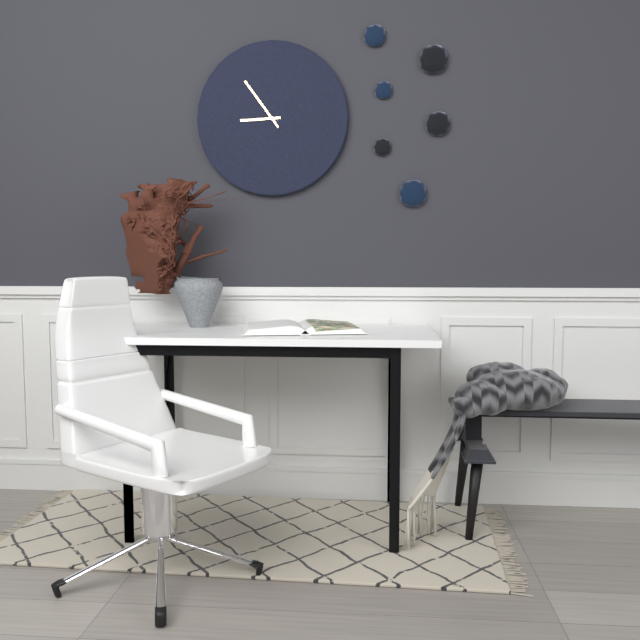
**8:54**
